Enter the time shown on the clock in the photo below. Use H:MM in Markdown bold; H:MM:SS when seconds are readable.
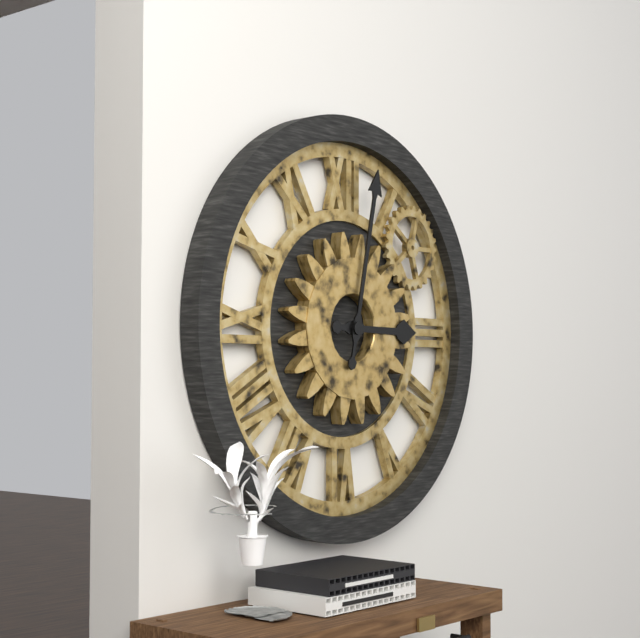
**3:02**
